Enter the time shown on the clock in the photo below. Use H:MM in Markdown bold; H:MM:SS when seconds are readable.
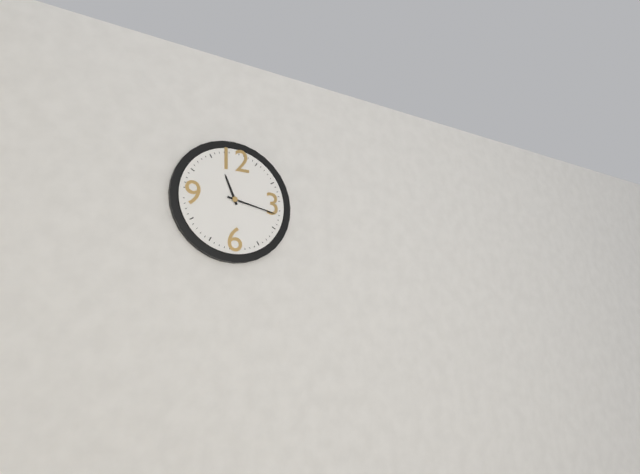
**11:17**
